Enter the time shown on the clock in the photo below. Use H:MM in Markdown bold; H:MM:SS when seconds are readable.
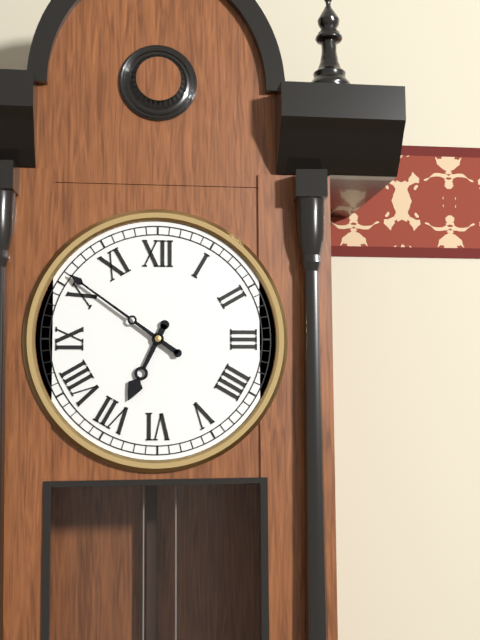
**6:51**
